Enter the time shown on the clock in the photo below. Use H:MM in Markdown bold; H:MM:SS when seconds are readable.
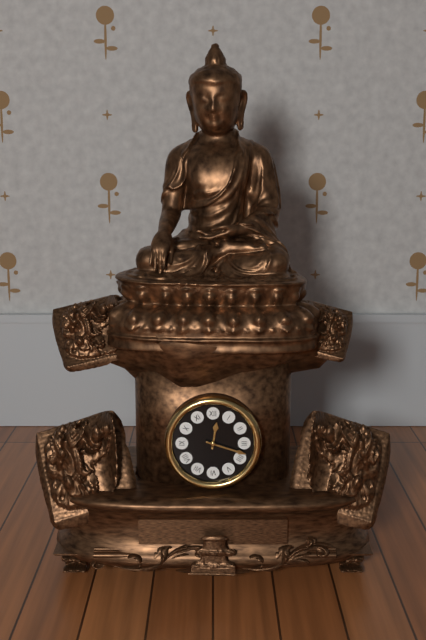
**12:18**
